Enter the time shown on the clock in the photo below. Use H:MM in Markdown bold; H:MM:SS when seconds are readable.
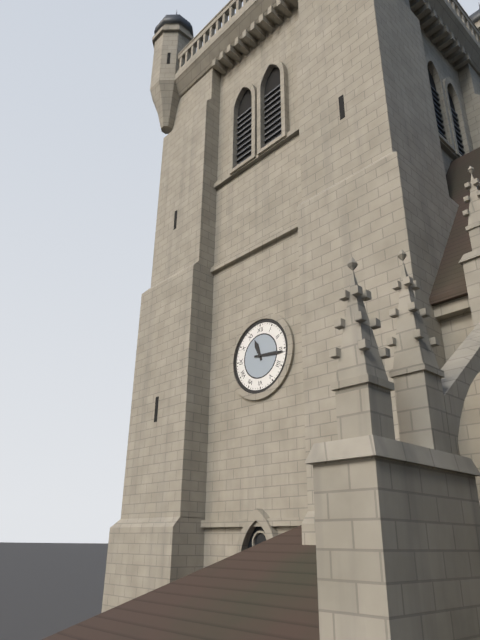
**11:16**
